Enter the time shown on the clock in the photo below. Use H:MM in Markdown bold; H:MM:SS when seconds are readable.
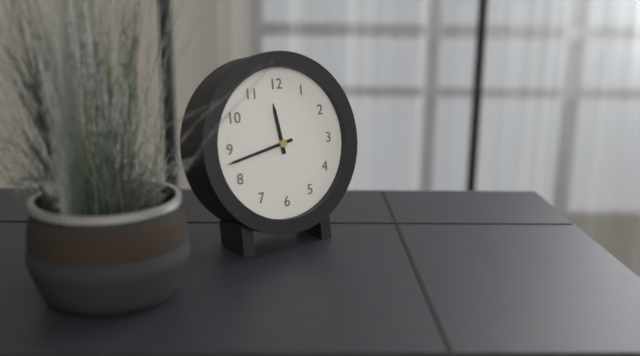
**11:43**
